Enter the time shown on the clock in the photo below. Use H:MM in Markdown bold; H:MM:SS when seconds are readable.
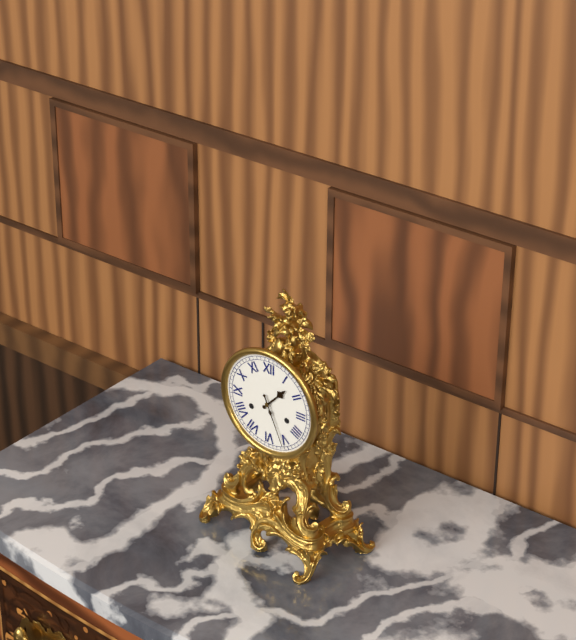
**1:26**
